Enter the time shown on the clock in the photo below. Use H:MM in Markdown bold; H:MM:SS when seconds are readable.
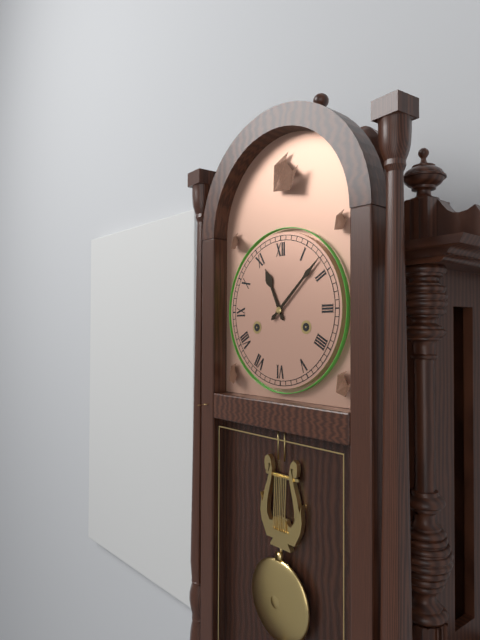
**11:08**
